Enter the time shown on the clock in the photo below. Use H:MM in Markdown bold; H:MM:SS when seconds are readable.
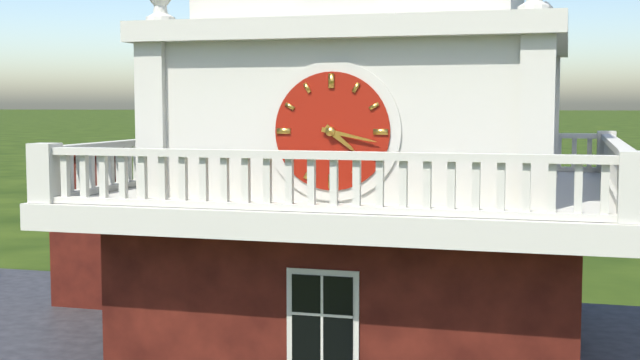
**4:17**
